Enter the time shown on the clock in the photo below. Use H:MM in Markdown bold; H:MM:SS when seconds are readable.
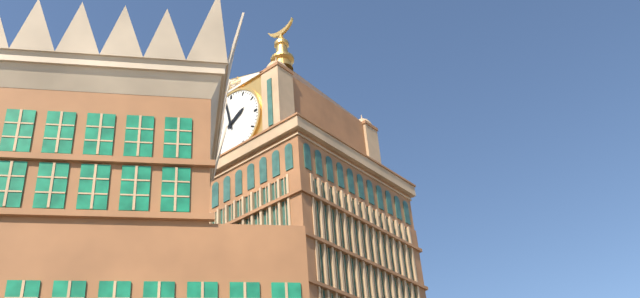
**1:58**
